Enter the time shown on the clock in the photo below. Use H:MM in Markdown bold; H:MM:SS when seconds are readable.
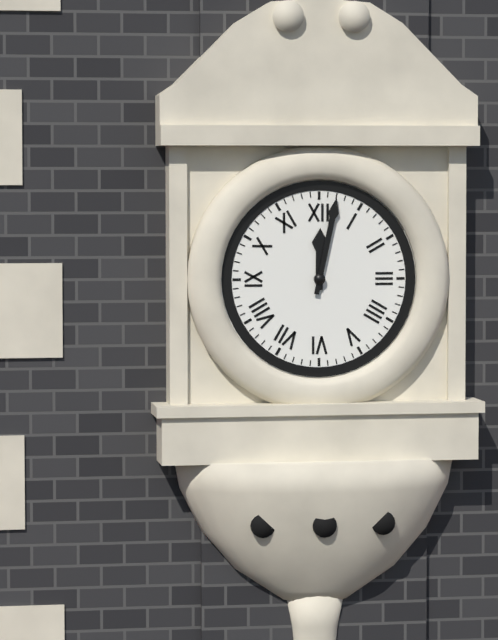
**12:02**
